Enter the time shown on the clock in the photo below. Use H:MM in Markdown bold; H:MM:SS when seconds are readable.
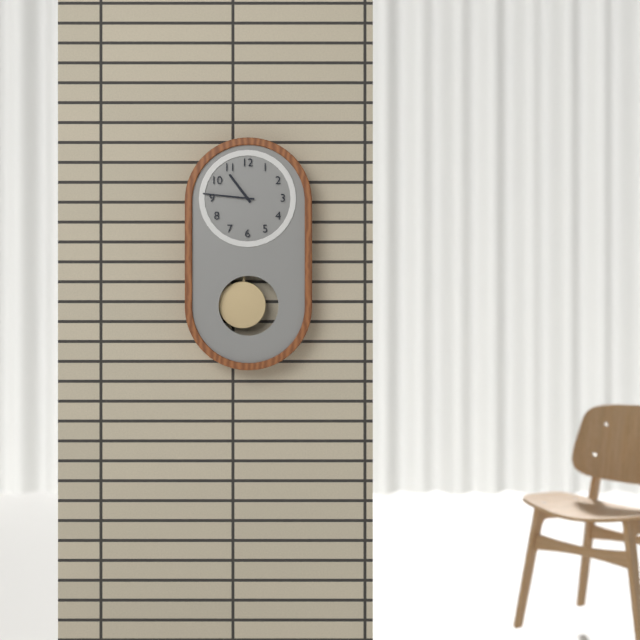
**10:46**
